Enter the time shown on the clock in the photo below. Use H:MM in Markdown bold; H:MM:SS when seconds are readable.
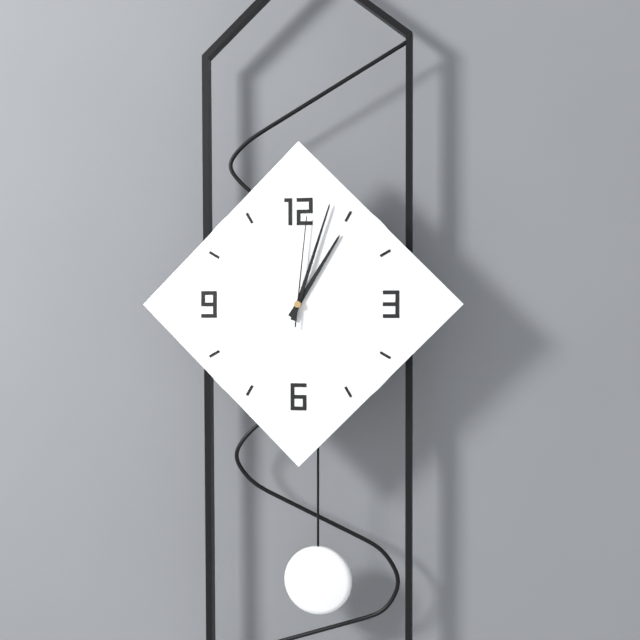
**1:03:01**
